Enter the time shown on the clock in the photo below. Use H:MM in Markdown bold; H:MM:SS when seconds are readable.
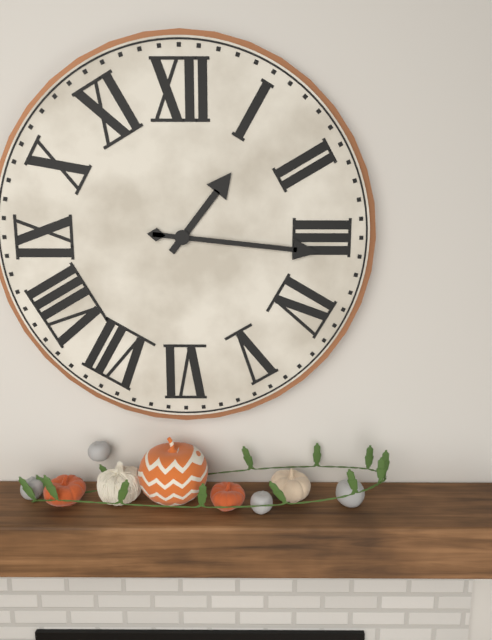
**1:16**
